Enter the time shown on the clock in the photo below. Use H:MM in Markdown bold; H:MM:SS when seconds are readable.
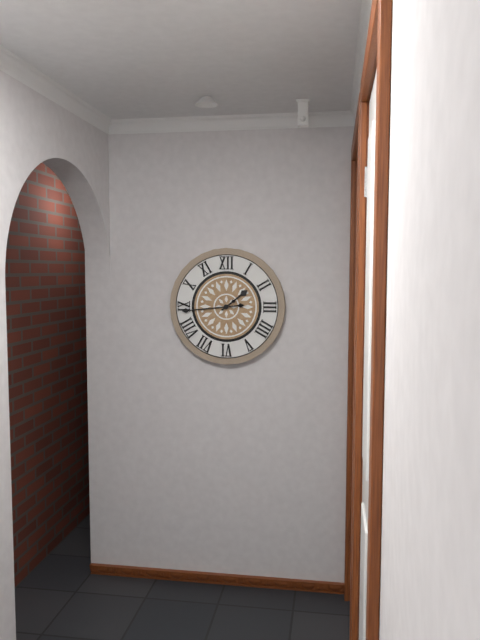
**1:44**
